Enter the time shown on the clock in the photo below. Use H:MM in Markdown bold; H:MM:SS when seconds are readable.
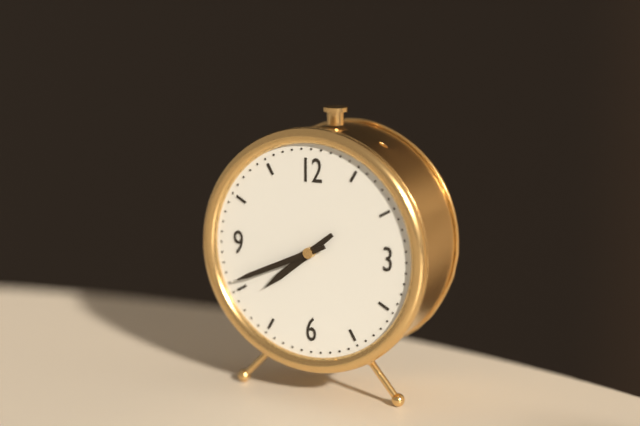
**7:41**
